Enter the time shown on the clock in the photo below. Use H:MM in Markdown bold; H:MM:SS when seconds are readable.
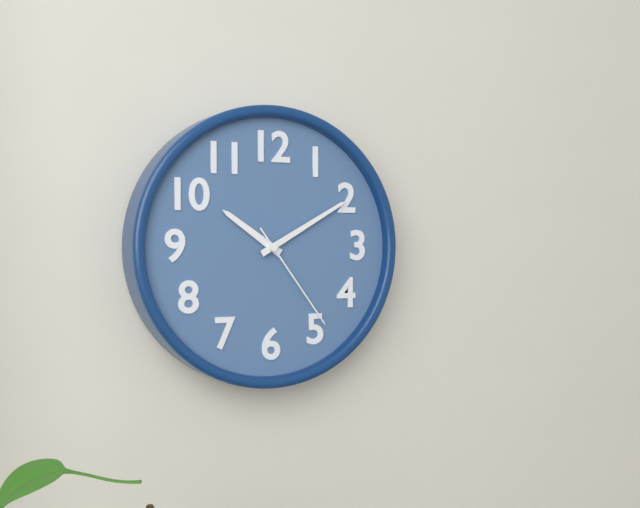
**10:10:24**
